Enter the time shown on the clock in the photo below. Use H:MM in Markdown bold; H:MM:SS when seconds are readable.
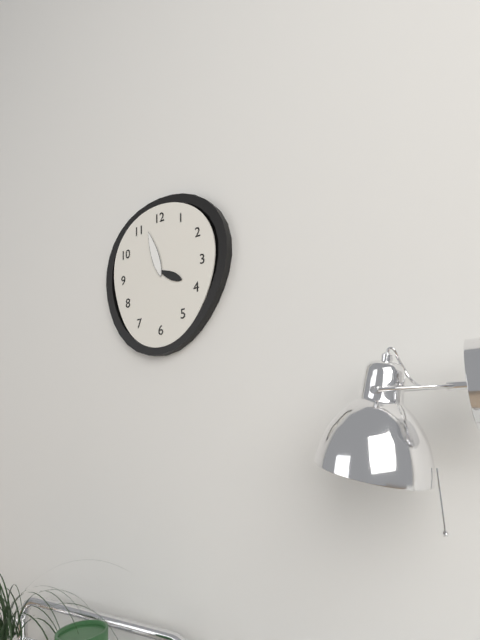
**3:57**
